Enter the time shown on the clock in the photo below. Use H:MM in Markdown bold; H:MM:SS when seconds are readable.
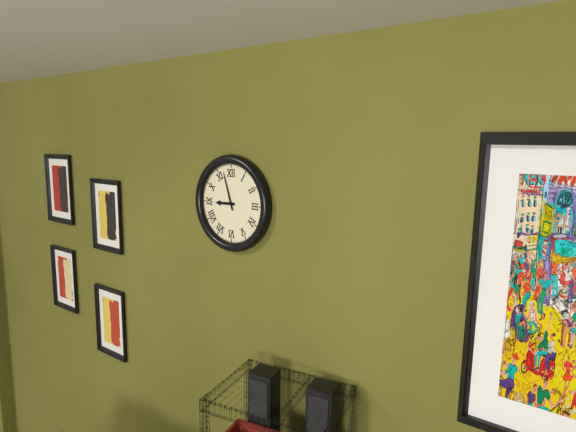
**8:57**
